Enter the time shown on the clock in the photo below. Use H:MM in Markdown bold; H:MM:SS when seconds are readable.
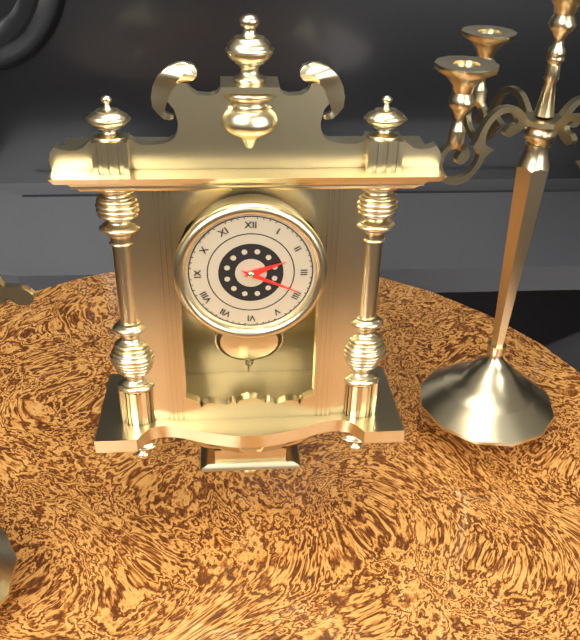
**2:19**
